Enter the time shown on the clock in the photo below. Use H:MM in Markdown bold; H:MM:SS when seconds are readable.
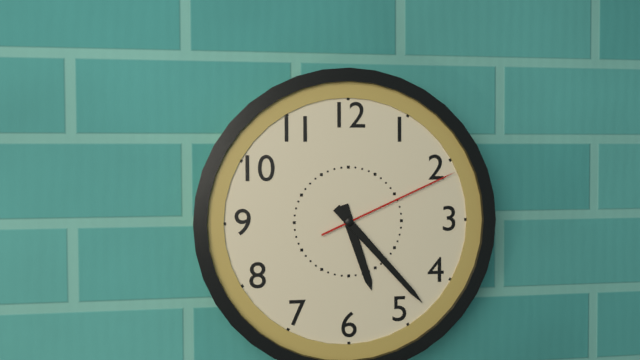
**5:23:11**
